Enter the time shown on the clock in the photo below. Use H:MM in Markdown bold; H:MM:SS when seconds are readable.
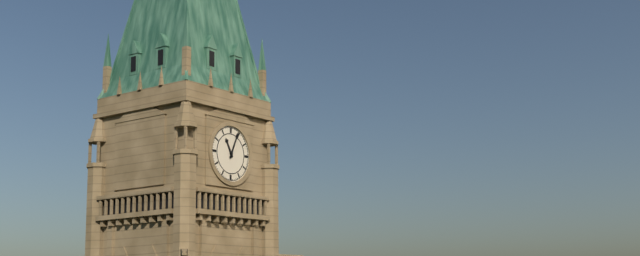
**11:04**
